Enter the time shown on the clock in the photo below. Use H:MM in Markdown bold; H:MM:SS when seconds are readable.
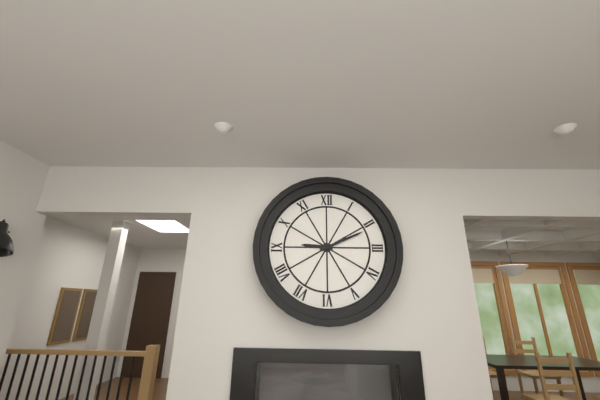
**9:11**
